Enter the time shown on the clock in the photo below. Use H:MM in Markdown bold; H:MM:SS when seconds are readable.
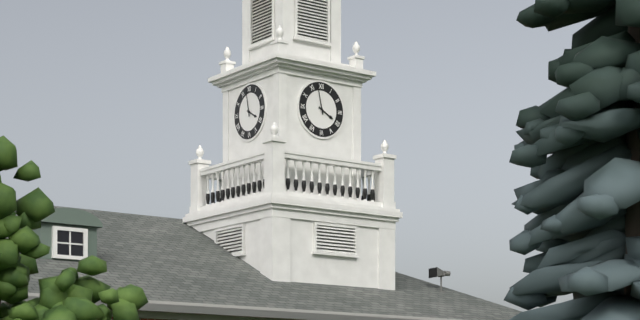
**3:58**
